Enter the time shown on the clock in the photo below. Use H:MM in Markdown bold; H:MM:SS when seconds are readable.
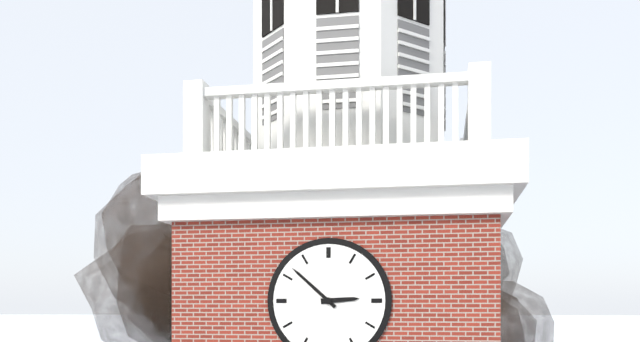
**2:52**
